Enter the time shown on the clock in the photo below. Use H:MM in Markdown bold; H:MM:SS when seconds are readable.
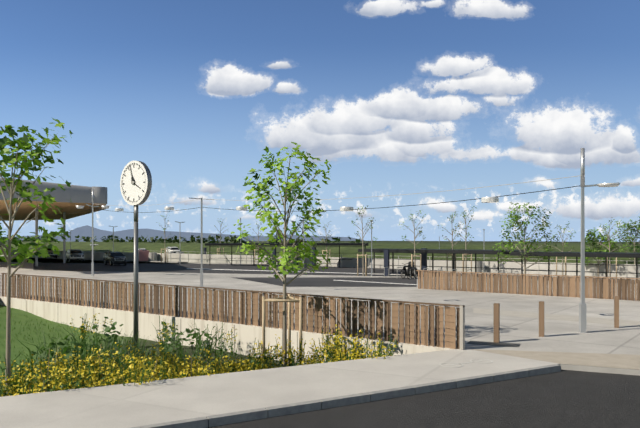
**3:57**
